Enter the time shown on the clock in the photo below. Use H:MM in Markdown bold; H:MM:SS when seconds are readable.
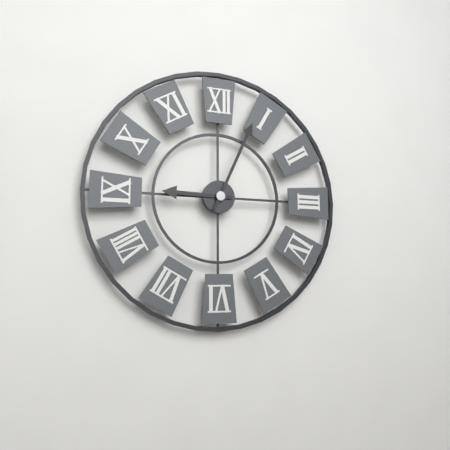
**9:04**
